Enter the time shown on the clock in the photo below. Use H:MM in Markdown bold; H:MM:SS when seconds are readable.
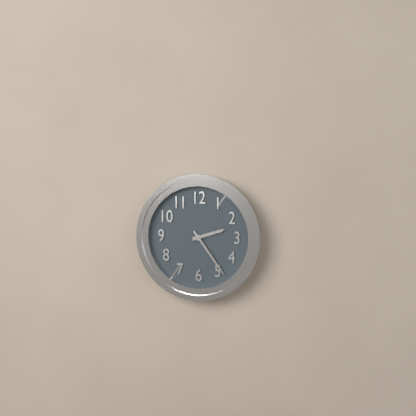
**2:24**
